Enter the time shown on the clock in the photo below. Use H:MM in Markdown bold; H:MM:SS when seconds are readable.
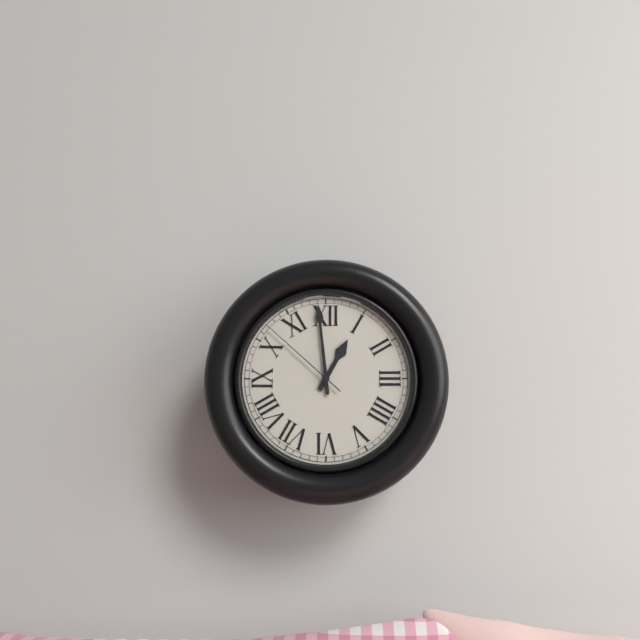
**12:59:52**
